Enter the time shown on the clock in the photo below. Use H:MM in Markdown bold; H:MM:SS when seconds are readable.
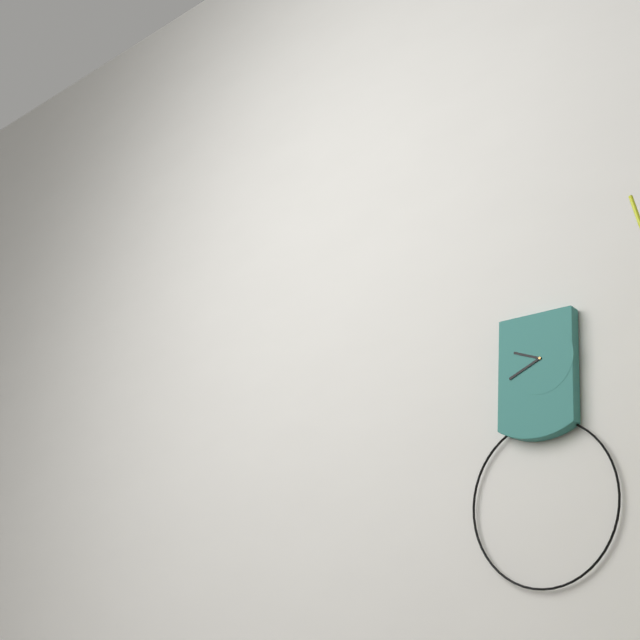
**9:41**
